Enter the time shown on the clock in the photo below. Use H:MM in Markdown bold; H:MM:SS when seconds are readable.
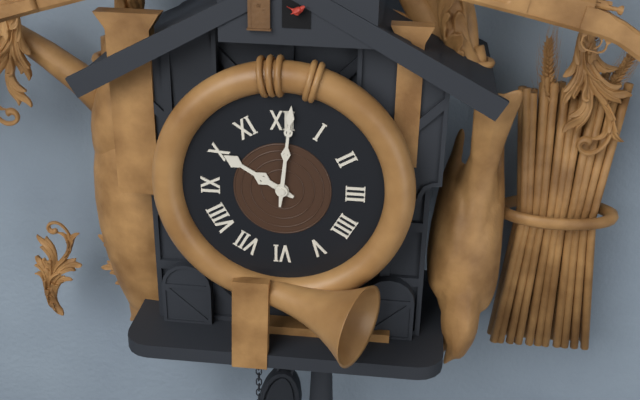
**10:01**
